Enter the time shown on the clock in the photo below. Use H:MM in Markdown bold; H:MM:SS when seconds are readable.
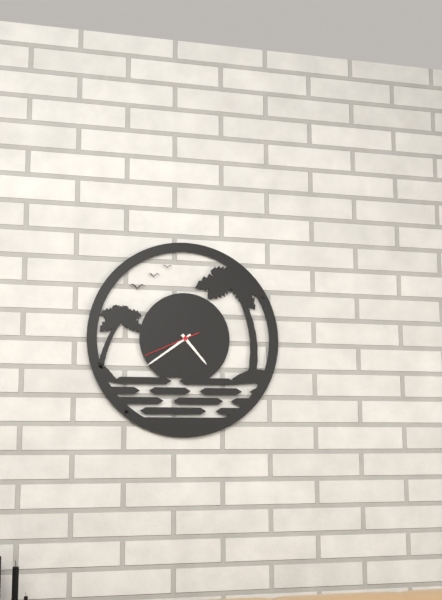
**4:39:41**
